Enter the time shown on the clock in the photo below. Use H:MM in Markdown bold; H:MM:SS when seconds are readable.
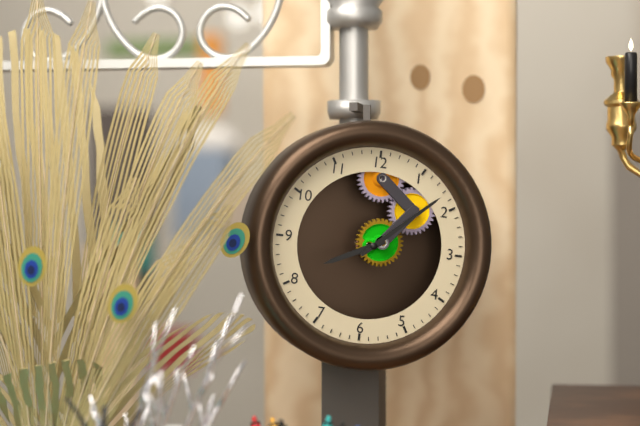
**8:08**
